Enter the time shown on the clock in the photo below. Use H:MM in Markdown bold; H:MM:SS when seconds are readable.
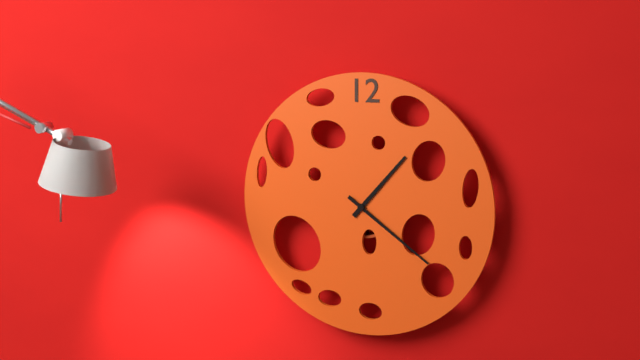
**1:21**
